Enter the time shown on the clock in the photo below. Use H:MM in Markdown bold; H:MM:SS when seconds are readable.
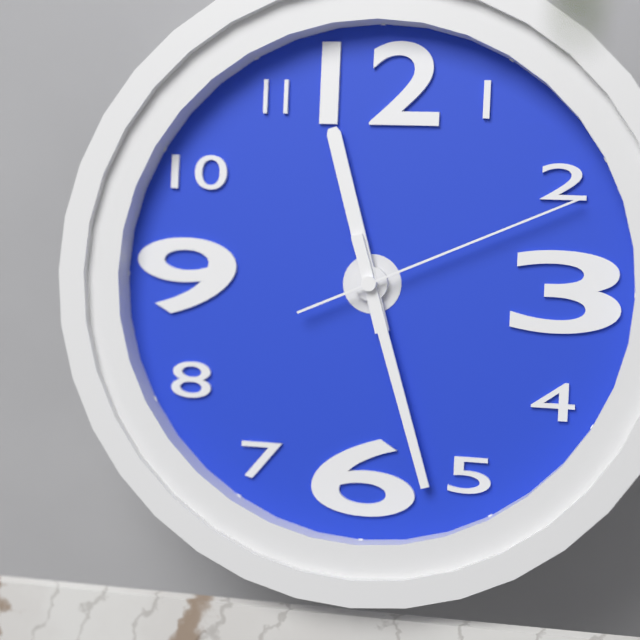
**11:27:11**
